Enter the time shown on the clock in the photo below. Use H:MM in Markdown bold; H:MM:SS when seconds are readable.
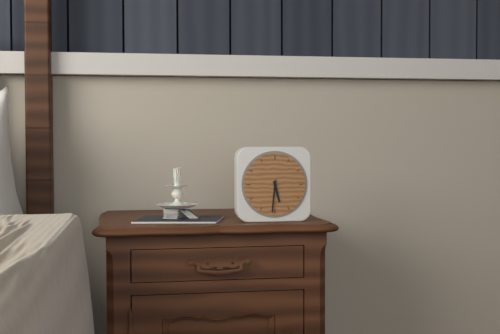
**5:31**
